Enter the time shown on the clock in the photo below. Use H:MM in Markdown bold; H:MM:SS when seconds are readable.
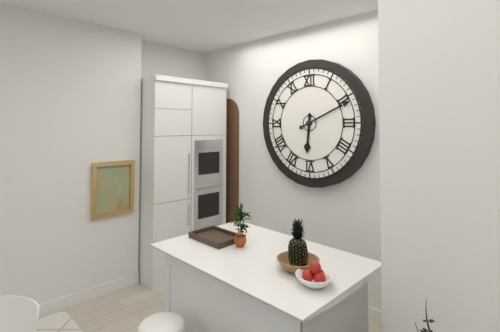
**6:11**
